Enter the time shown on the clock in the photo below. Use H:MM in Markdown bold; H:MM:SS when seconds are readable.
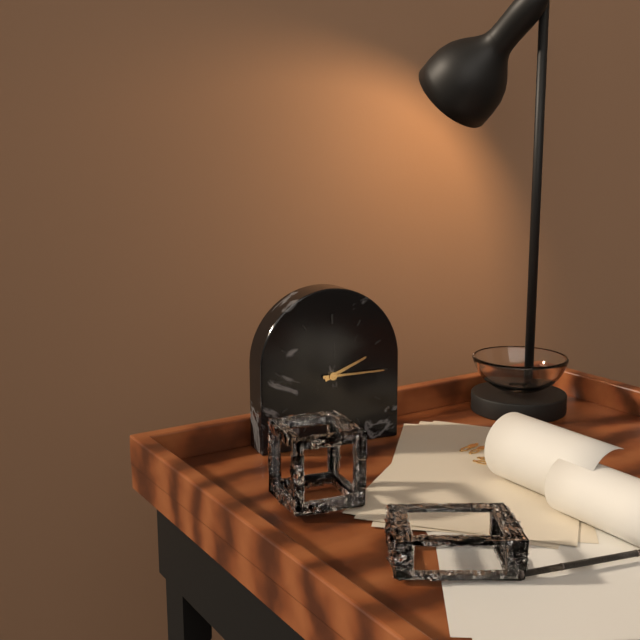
**2:15**
